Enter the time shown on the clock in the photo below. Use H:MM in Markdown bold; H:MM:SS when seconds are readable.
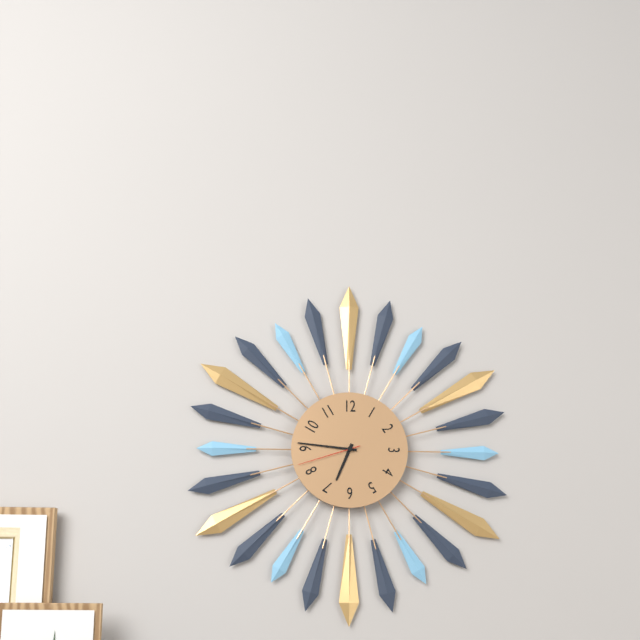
**6:46:42**
